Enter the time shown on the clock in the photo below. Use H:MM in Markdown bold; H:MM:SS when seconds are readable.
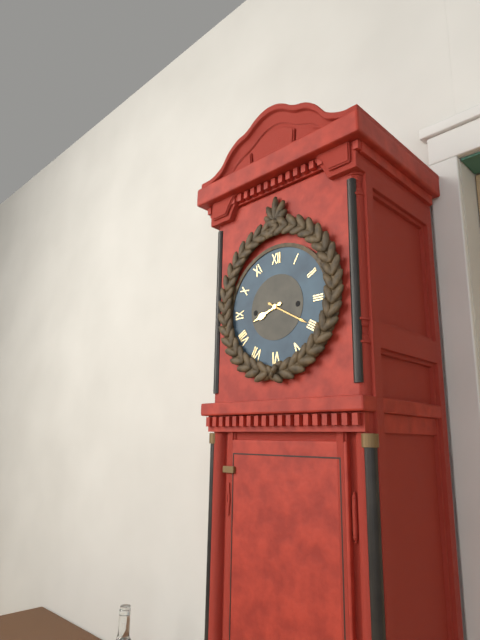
**8:20**
